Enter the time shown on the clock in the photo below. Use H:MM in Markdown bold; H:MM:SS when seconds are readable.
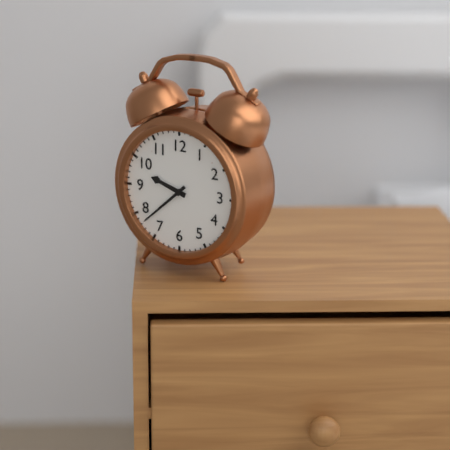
**9:38**
